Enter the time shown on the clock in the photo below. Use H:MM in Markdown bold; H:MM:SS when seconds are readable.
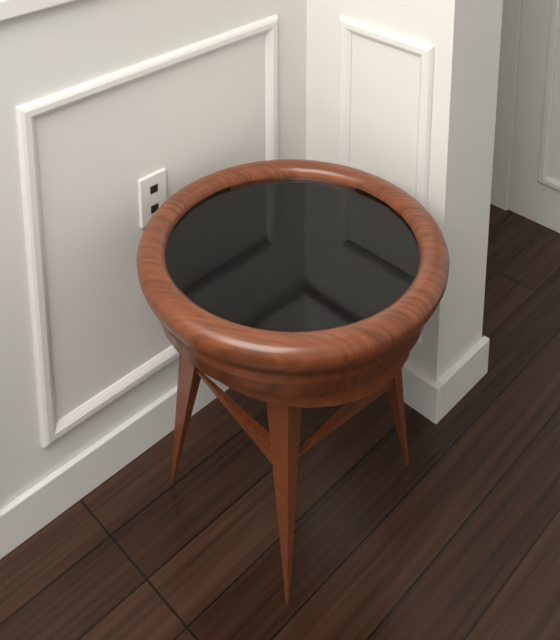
**9:05**
